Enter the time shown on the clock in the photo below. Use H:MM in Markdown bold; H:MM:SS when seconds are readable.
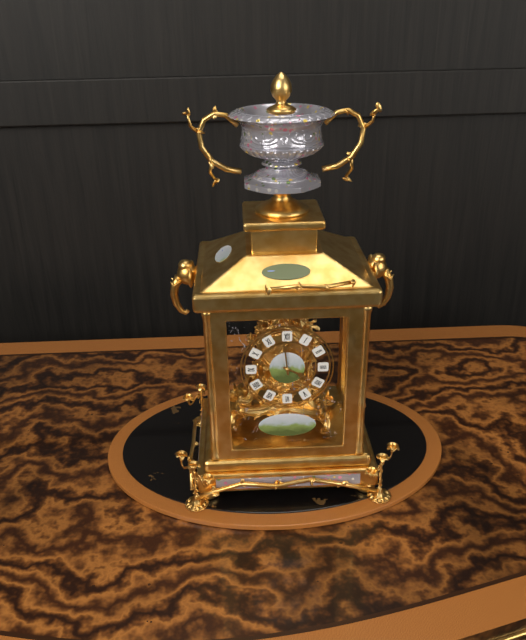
**3:59**
